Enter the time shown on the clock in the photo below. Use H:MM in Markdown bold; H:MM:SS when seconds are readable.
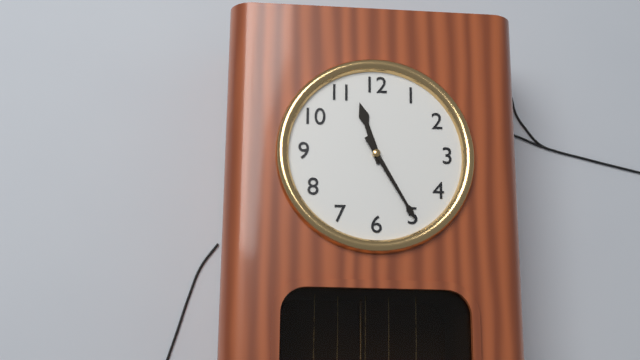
**11:25**
